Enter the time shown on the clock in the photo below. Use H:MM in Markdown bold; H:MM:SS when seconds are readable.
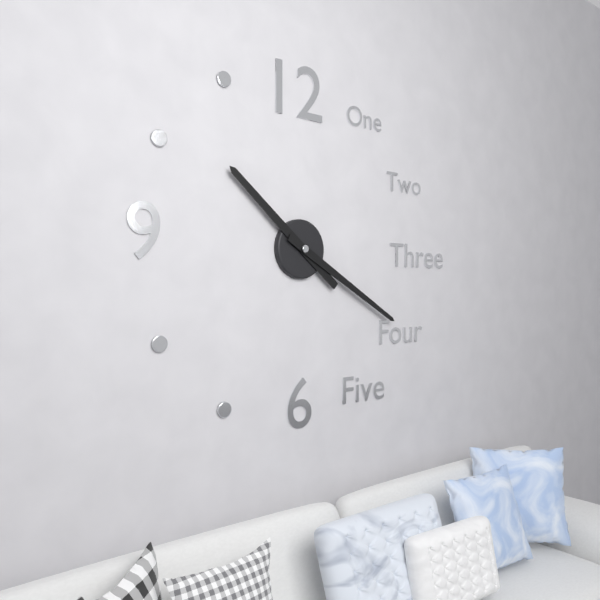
**10:20**
